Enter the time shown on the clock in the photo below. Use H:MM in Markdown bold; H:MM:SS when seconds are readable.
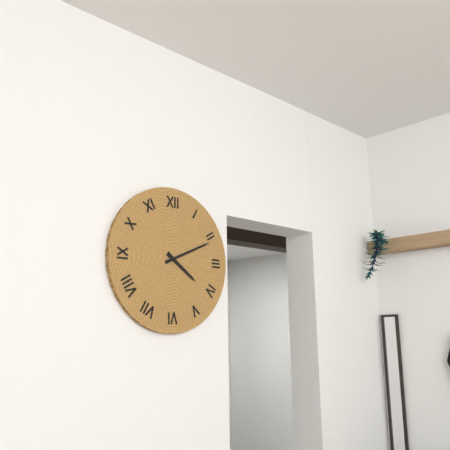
**4:11**
